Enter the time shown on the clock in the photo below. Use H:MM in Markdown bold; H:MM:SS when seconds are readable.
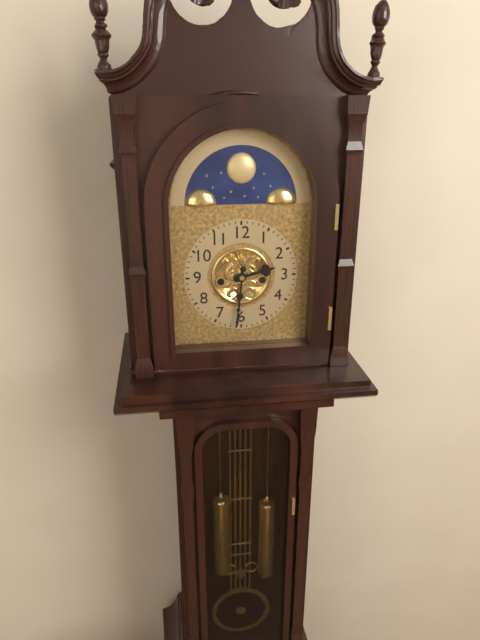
**2:31**
